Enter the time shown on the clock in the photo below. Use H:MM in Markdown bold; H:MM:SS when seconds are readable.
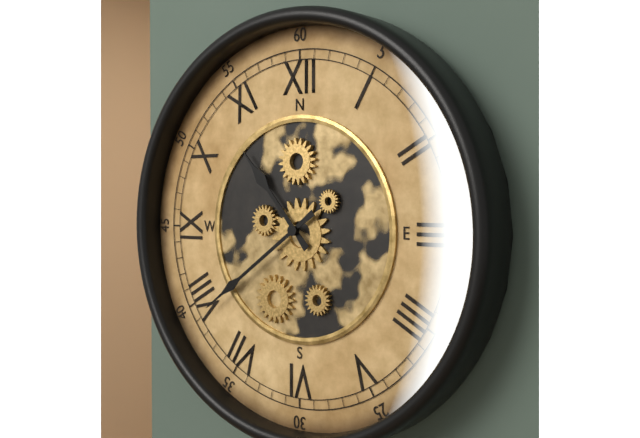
**10:39**
